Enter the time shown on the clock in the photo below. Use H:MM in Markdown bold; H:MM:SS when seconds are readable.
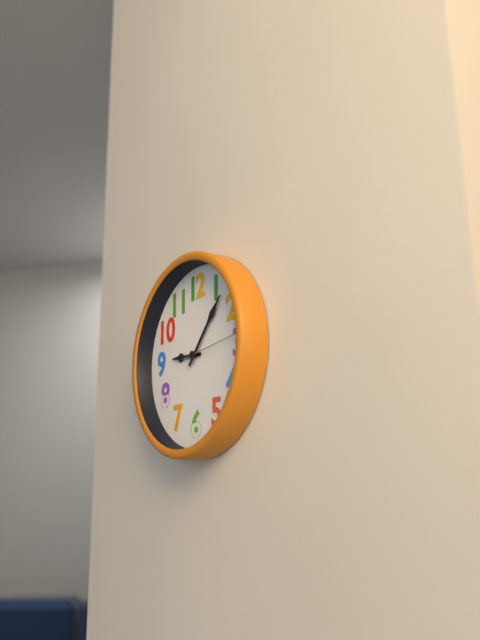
**9:07:14**
